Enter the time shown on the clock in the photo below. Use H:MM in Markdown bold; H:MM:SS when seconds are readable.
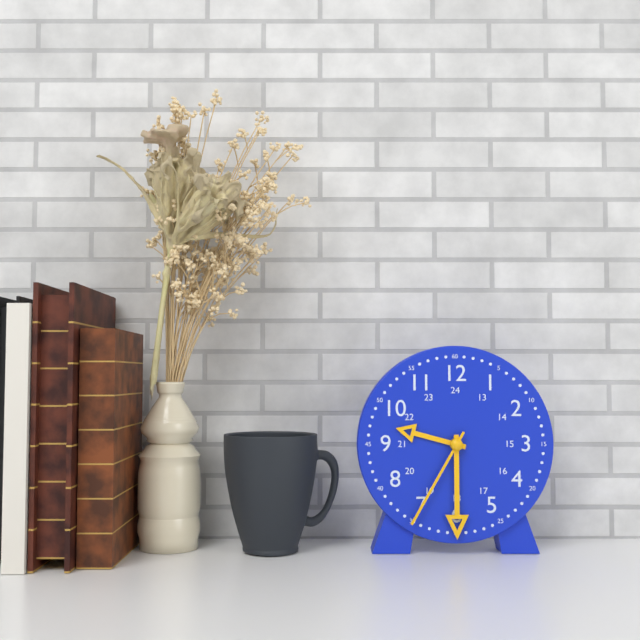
**9:30:35**
